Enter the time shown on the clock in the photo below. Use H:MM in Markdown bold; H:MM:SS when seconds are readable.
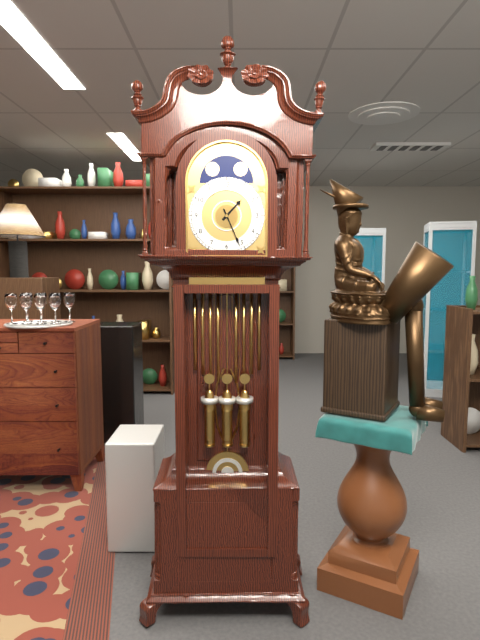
**1:26**
